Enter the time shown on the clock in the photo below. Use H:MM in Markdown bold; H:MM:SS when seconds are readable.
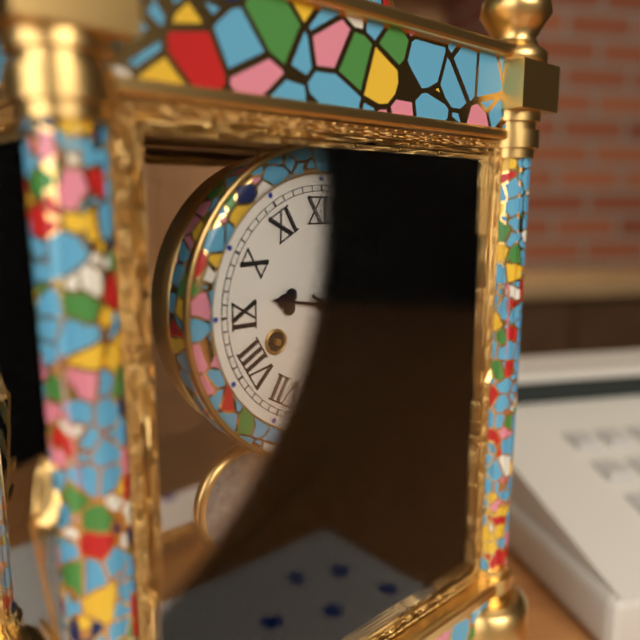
**9:21**
